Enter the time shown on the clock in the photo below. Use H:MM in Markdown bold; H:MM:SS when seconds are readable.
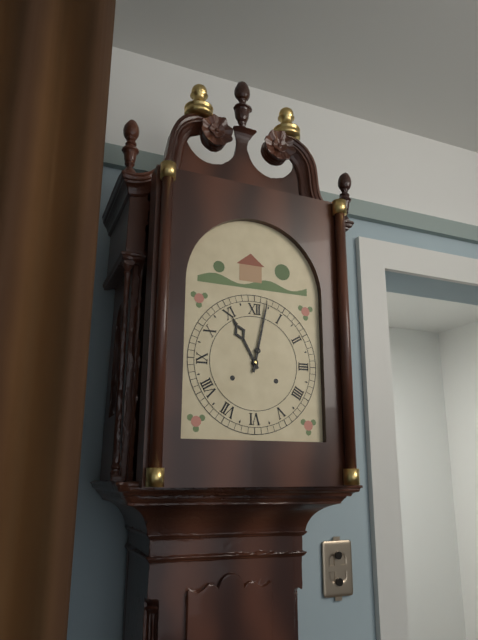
**11:02**
